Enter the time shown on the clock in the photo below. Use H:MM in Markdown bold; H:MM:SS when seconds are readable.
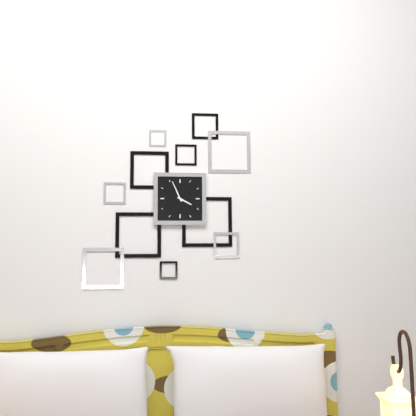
**3:56**
